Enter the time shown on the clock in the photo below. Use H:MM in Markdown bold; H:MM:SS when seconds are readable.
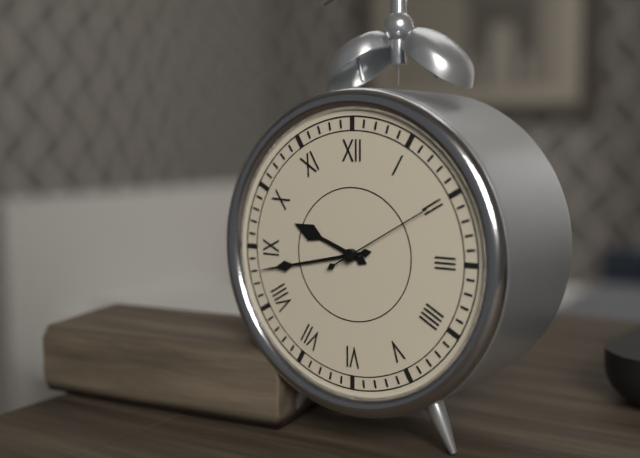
**9:43:10**
